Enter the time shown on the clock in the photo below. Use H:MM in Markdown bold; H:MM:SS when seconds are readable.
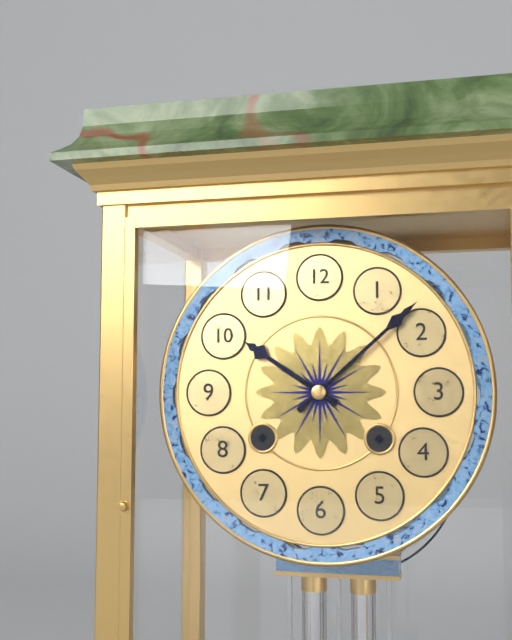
**10:08**
